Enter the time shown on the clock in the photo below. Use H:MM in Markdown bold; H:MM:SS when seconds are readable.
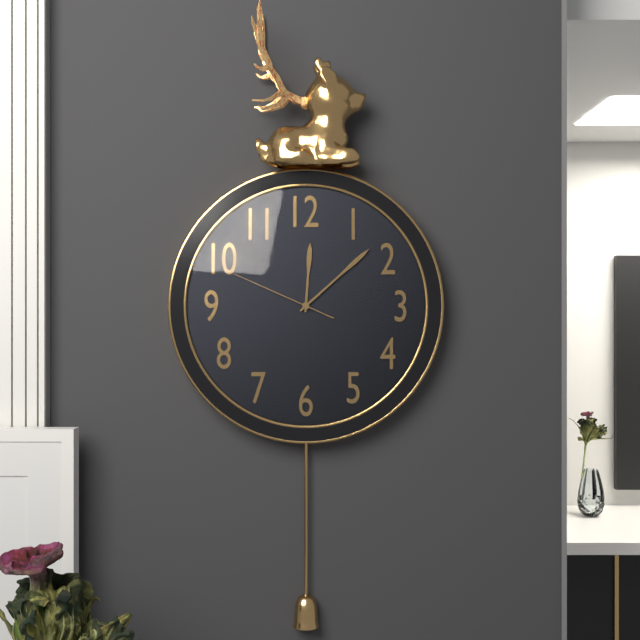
**12:08:49**
